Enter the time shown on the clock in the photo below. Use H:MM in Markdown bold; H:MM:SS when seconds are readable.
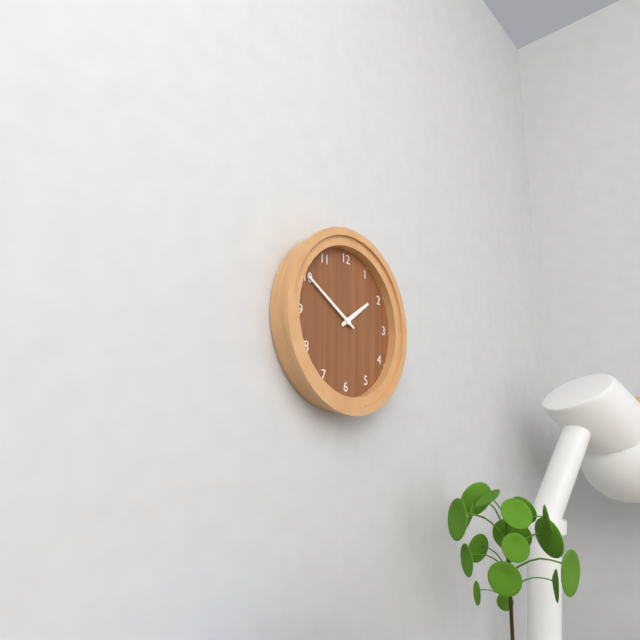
**1:50**
